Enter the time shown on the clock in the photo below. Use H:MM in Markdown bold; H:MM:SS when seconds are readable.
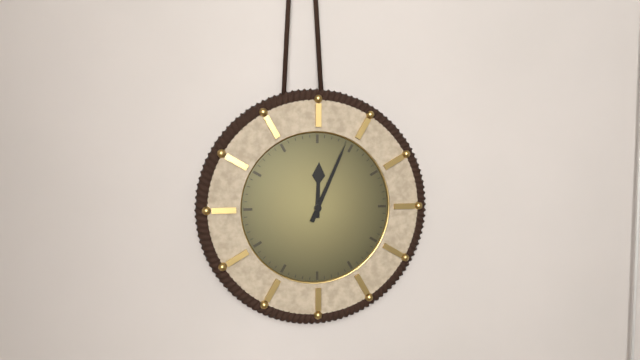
**12:04**
